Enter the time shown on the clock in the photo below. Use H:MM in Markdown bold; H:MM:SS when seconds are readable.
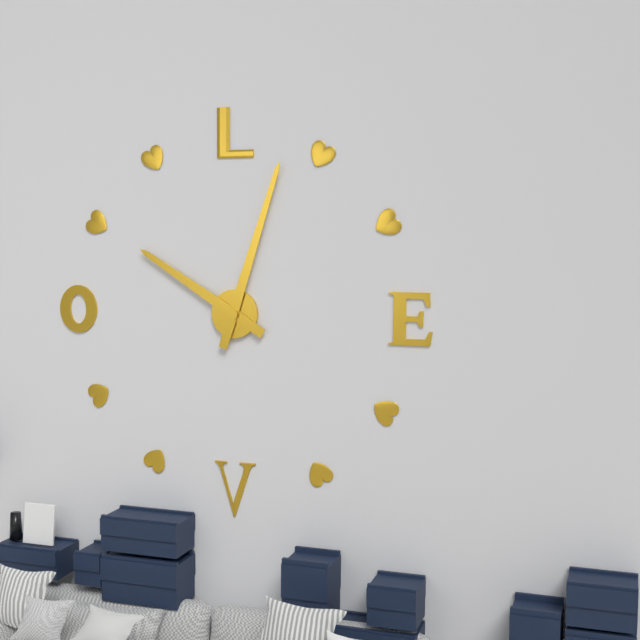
**10:03**
